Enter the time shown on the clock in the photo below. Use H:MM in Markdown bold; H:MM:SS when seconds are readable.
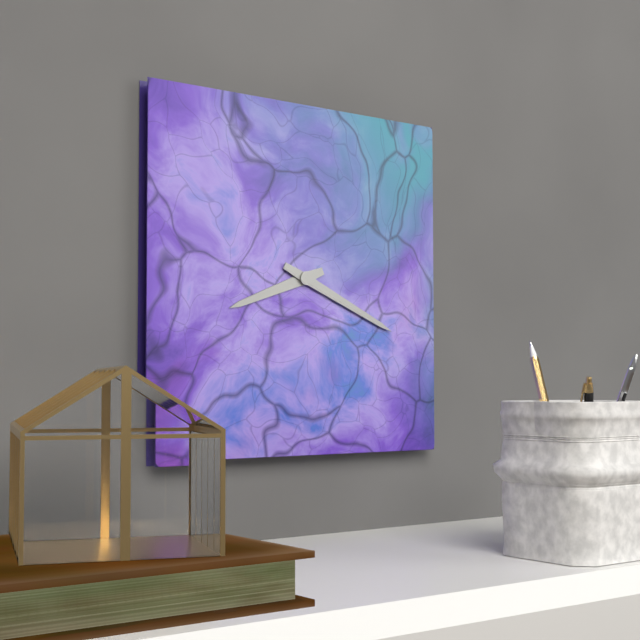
**8:19**
